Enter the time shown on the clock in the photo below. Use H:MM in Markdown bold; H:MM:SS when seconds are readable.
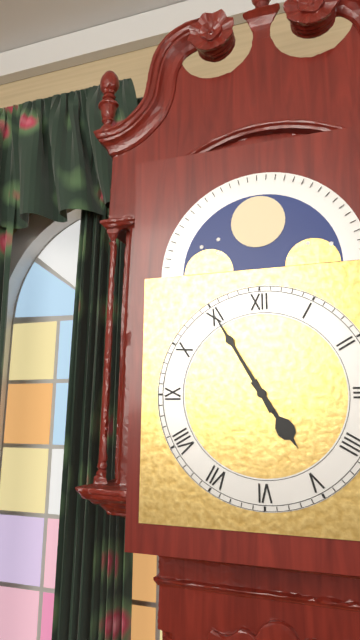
**4:55**
